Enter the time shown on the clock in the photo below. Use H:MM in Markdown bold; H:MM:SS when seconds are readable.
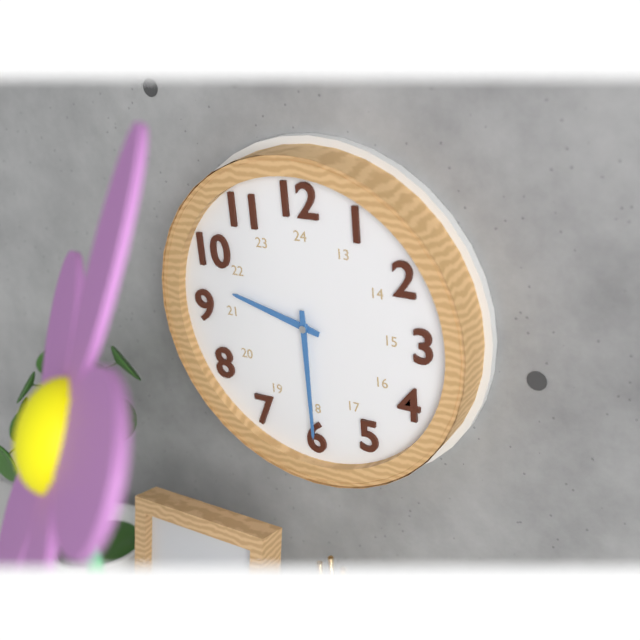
**9:30**
